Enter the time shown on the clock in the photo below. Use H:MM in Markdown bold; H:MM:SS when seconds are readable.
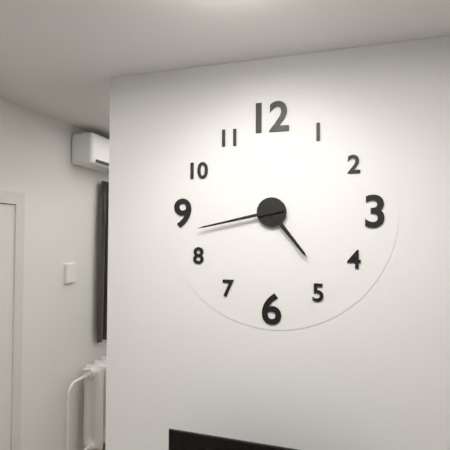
**4:43**
